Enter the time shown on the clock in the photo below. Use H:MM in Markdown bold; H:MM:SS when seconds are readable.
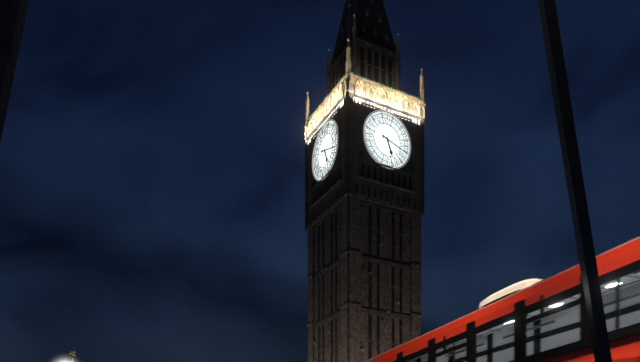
**5:18**
